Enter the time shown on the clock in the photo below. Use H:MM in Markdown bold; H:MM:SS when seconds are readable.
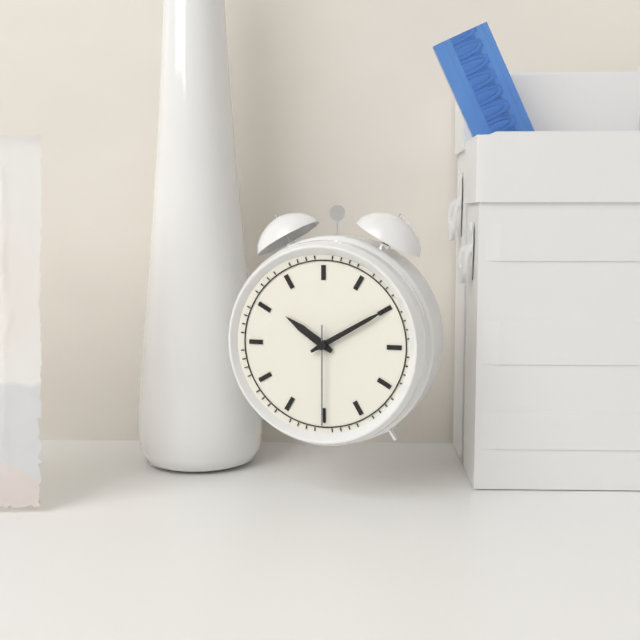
**10:10:30**
